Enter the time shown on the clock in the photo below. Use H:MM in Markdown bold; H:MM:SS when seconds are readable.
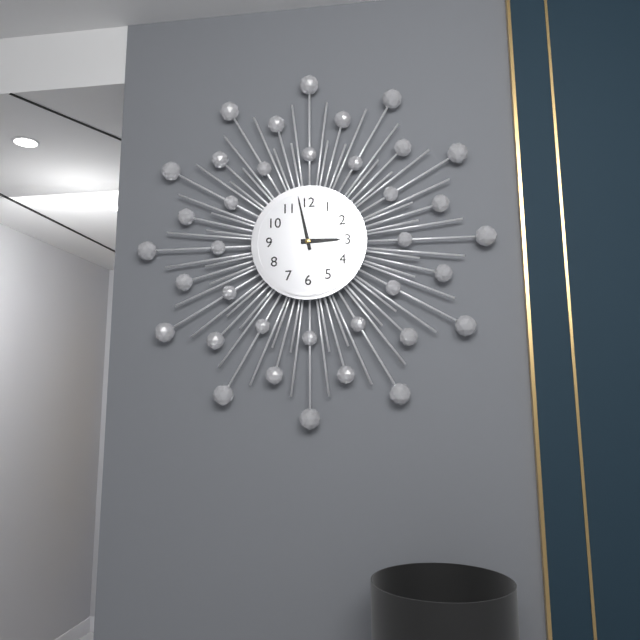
**2:58**
